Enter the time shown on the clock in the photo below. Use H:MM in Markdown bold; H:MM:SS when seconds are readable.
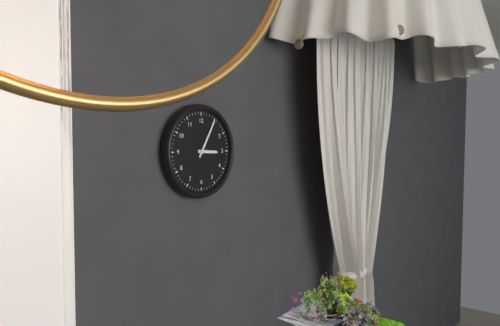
**3:05**
